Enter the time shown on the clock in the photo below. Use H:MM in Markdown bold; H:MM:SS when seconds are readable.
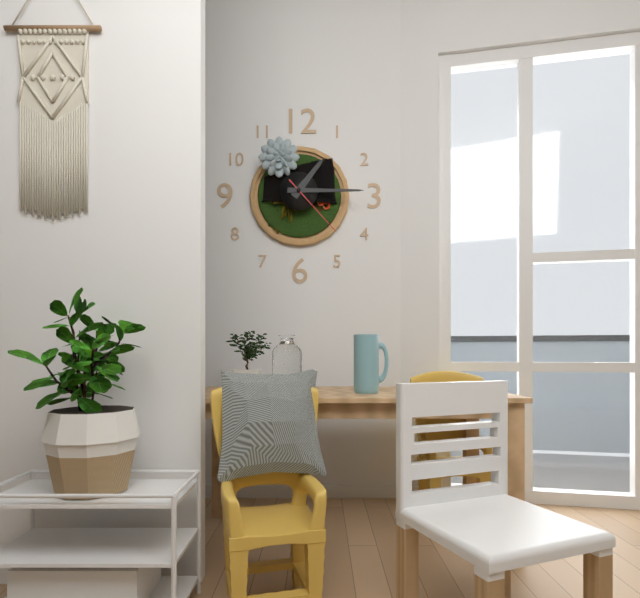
**1:15:23**
